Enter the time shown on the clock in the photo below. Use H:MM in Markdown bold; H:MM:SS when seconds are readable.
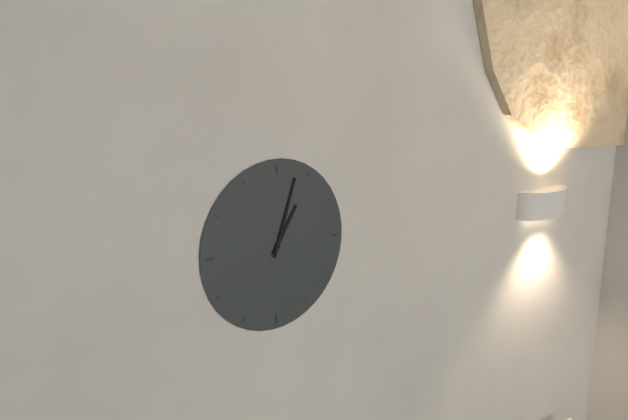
**1:03**
